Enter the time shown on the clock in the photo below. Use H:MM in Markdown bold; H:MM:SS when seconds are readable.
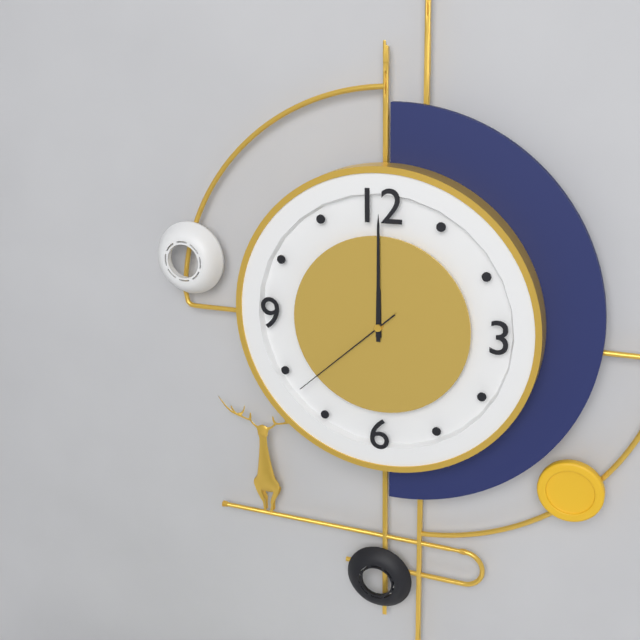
**12:00:38**
